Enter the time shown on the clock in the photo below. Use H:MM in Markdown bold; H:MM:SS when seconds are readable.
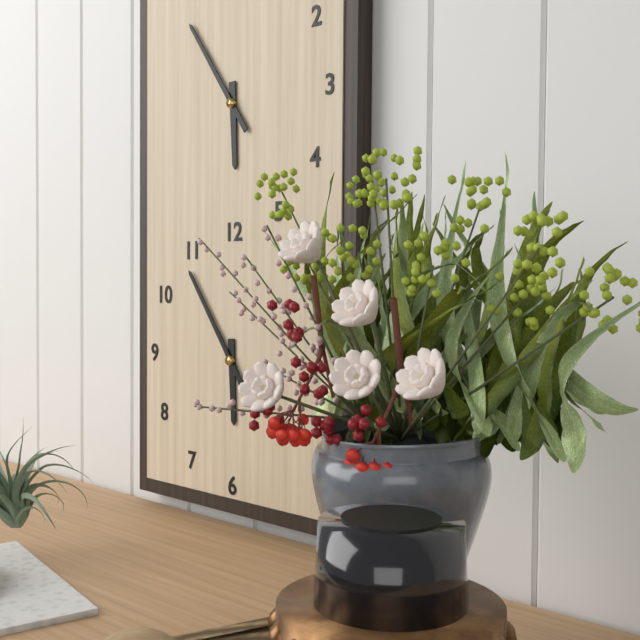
**5:54**
